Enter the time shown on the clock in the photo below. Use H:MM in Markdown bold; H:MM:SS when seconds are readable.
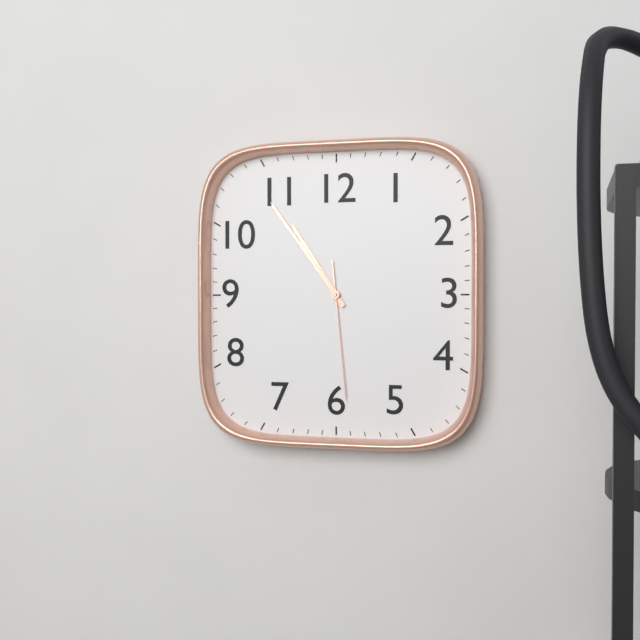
**10:54:29**
